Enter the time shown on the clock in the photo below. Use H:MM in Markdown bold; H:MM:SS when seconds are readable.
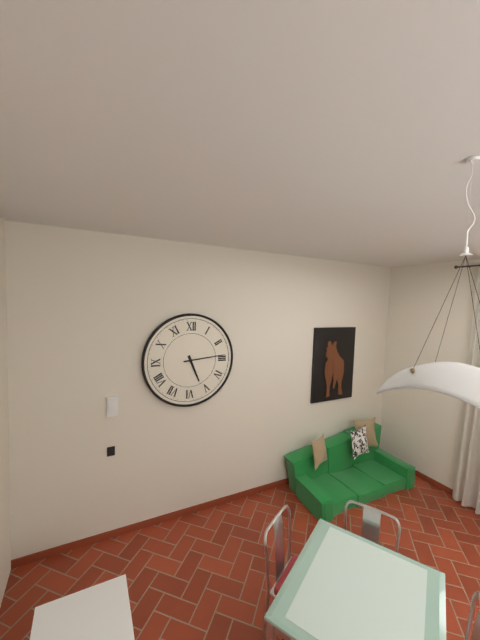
**5:14**
